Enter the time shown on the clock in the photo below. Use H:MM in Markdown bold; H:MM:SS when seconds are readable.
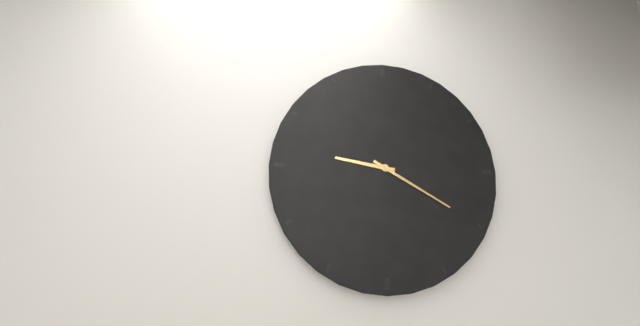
**9:20**
